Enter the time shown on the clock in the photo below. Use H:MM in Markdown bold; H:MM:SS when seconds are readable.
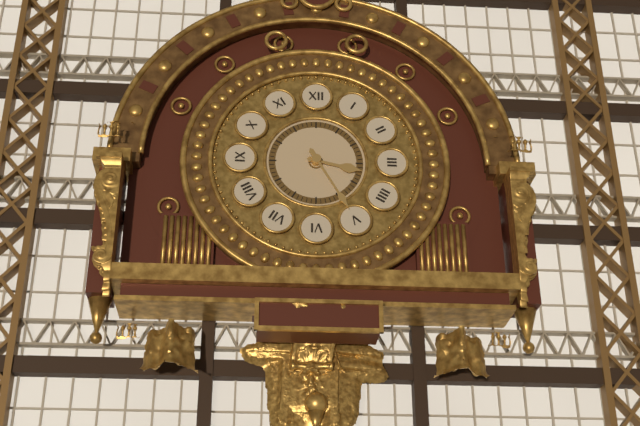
**3:25**
